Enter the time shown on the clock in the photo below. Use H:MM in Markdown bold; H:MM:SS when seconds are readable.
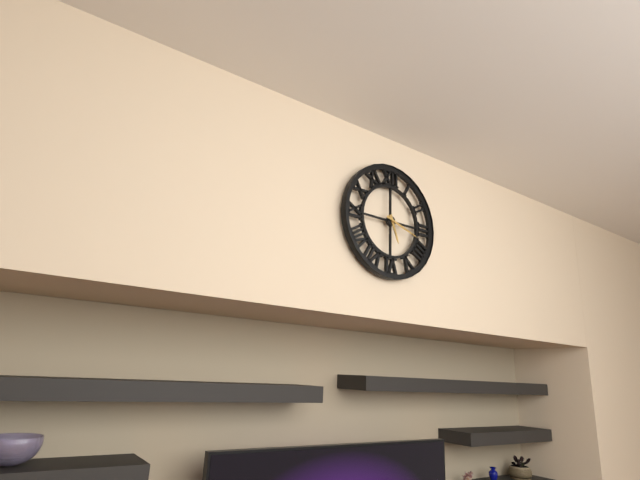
**5:18**
